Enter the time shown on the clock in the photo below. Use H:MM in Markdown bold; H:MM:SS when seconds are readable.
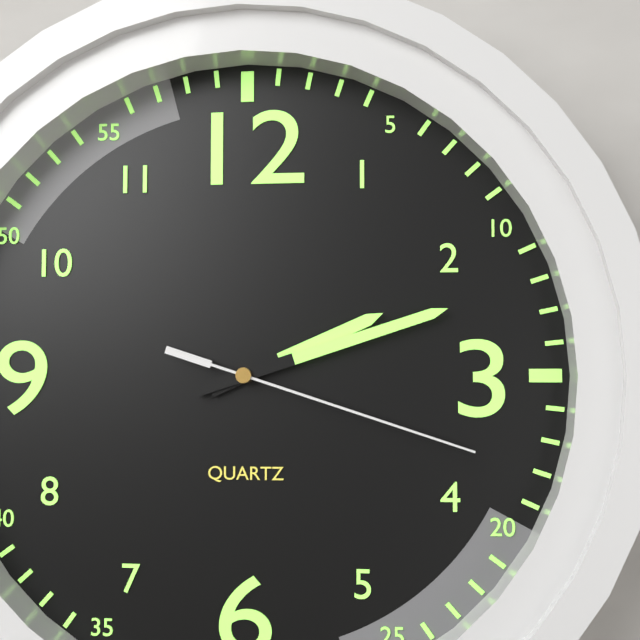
**2:12:18**
